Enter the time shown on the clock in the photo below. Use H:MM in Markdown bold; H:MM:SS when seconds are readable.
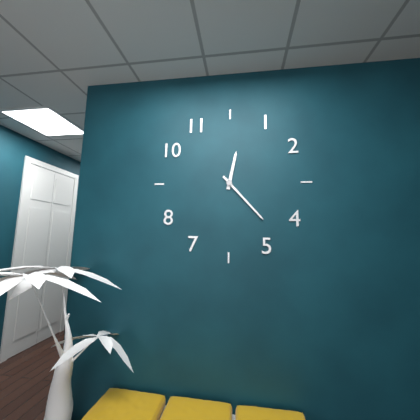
**12:23**
